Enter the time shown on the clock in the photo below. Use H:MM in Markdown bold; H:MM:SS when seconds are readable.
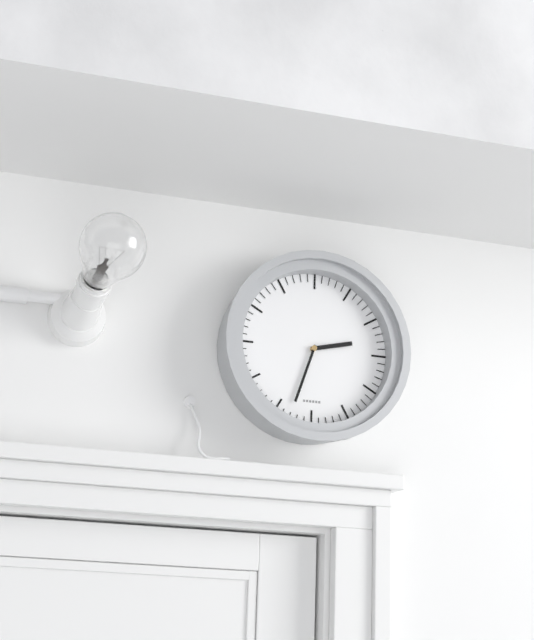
**2:33**
